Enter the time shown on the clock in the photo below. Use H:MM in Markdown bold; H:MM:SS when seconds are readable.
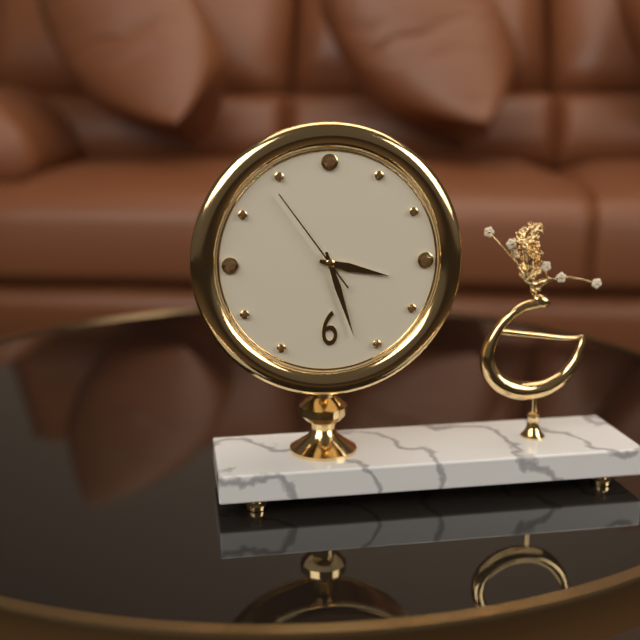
**3:27:54**
